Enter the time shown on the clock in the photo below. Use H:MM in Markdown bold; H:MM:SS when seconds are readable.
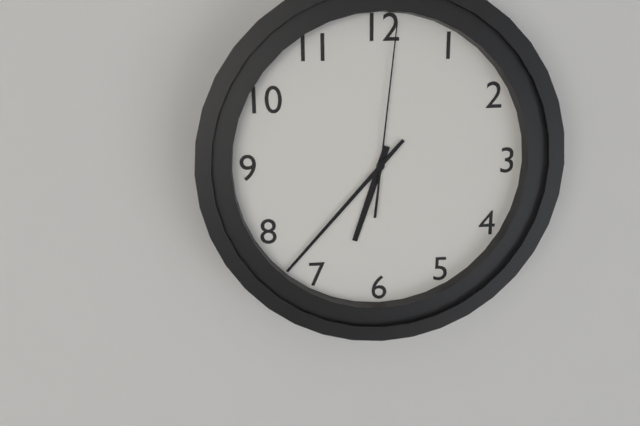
**6:37:01**
